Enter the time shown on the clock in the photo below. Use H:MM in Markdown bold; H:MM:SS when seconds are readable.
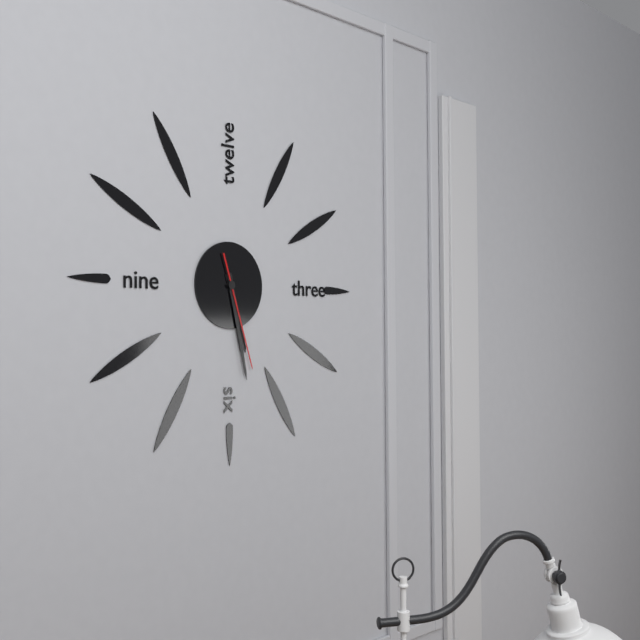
**5:28:27**
